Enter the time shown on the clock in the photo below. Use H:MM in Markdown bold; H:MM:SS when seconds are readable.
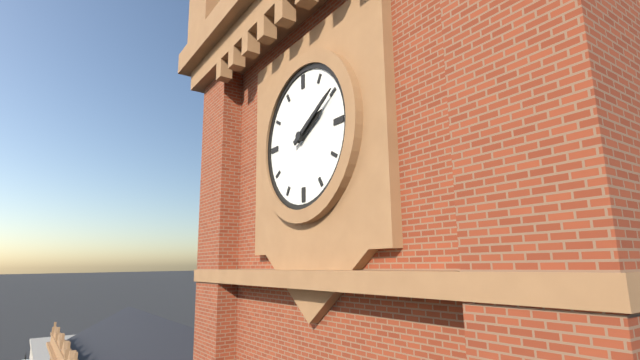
**2:10**
